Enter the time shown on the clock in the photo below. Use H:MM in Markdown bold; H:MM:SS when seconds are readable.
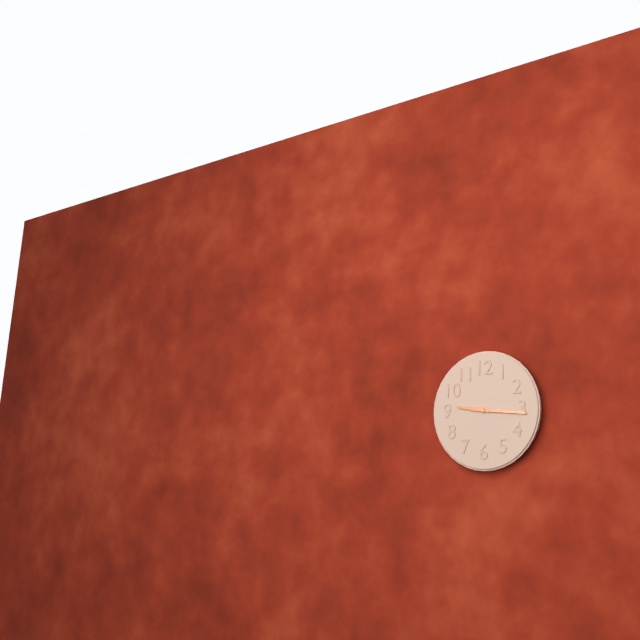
**9:16**
